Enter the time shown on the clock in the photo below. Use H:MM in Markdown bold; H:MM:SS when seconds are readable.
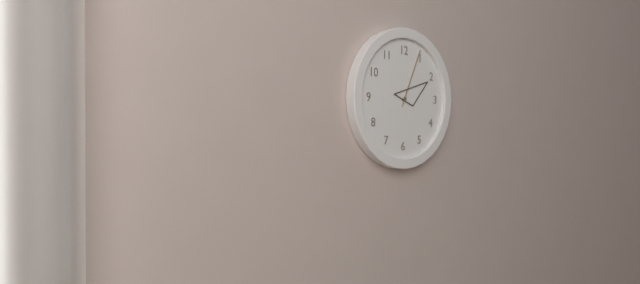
**2:04**
